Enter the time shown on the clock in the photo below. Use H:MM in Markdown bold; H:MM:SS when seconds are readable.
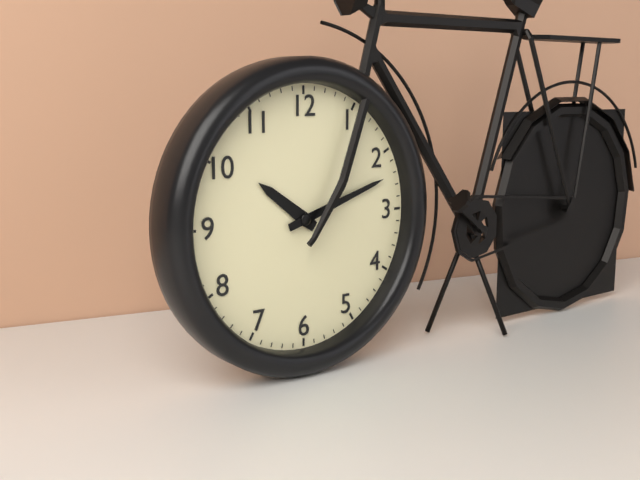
**10:12**
